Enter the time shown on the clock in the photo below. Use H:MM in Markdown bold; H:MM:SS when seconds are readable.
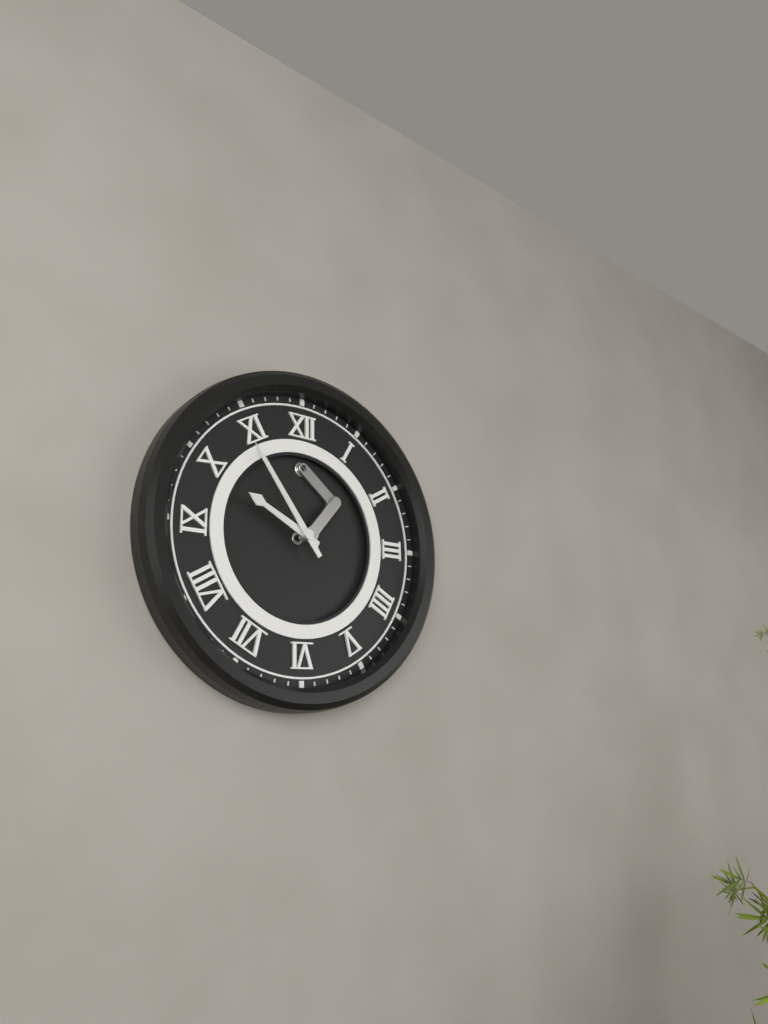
**9:54**
